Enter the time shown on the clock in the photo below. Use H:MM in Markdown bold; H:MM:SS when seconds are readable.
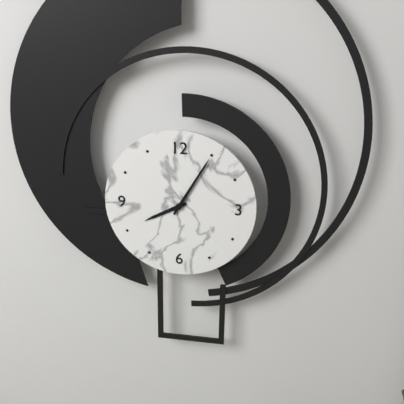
**8:05**
